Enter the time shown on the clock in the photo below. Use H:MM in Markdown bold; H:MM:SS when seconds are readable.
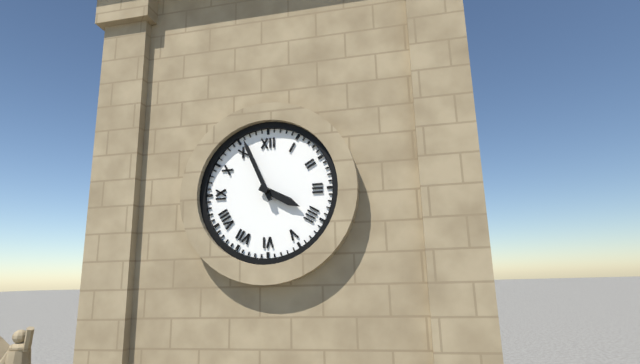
**3:56**
